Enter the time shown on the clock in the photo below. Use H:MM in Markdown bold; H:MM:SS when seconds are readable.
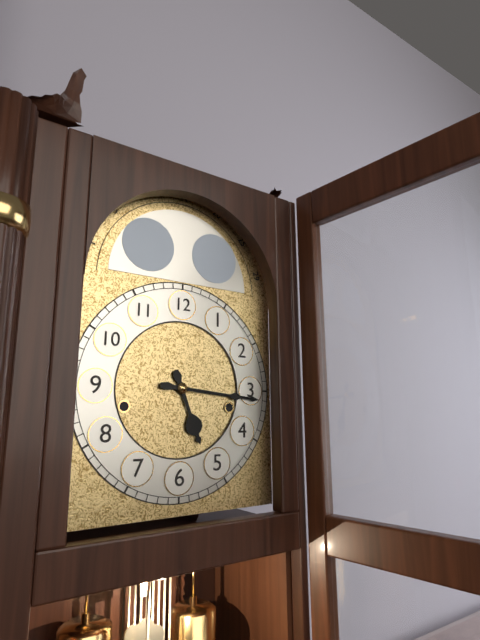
**5:16**
